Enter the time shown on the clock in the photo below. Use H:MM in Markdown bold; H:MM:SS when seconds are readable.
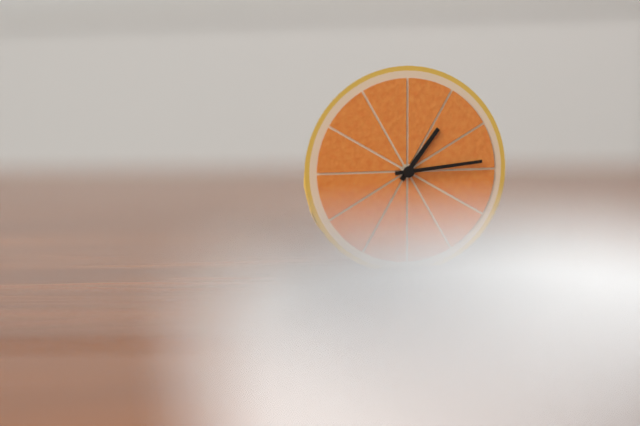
**1:14**
